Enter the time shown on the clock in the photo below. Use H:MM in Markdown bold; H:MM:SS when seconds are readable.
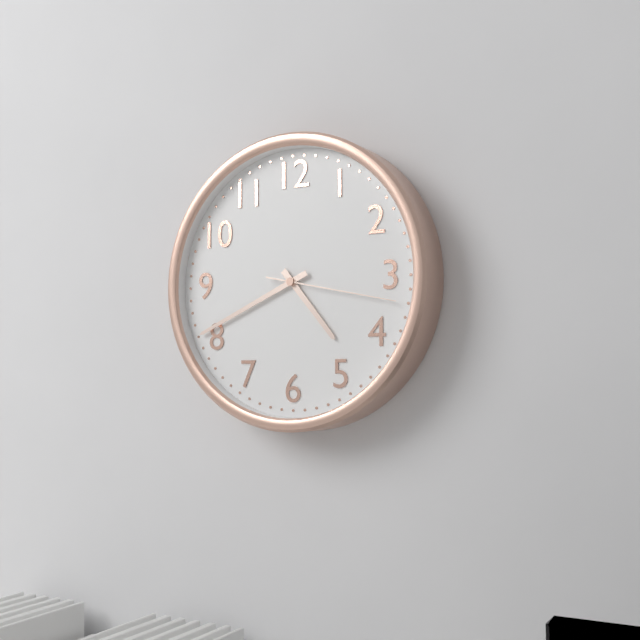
**4:41:17**
